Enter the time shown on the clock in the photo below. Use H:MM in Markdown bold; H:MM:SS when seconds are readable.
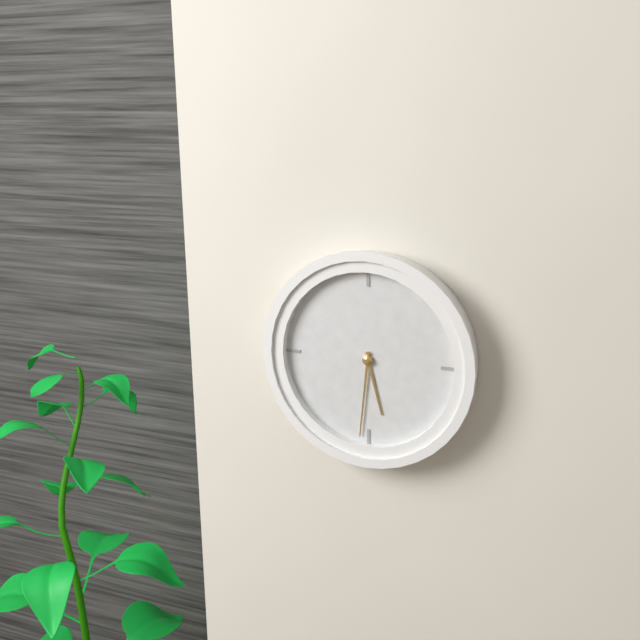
**5:31**
